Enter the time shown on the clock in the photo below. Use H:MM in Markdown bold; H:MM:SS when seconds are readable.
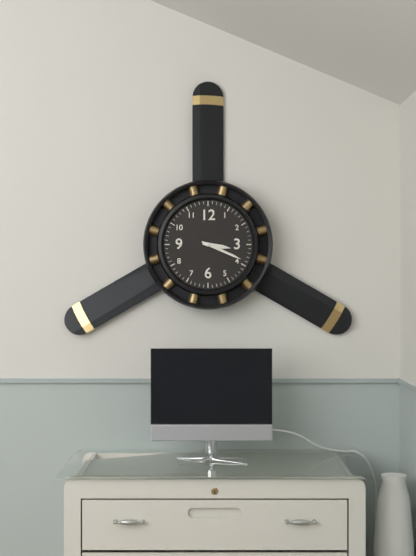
**3:19**
